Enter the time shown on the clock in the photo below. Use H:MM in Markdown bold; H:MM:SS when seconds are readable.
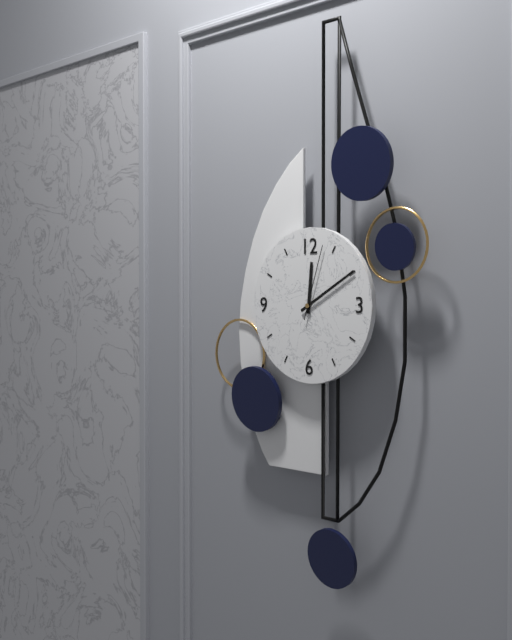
**12:10:03**
